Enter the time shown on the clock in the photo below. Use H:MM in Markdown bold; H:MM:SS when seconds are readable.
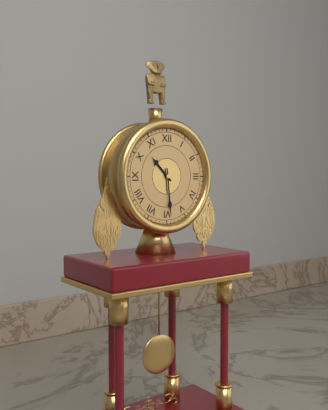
**10:29**
